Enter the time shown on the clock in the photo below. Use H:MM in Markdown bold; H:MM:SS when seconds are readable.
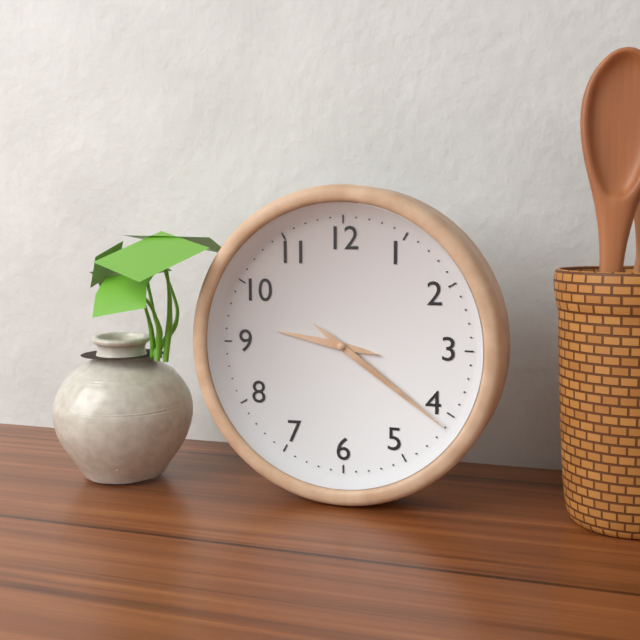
**9:21**
